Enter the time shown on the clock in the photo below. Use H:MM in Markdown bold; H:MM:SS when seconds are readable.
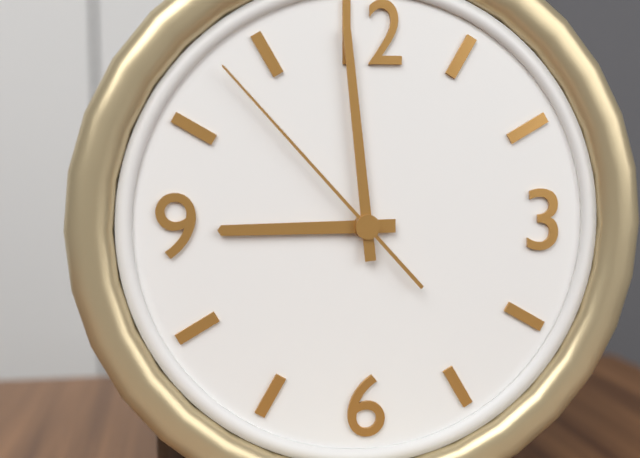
**8:59:53**
